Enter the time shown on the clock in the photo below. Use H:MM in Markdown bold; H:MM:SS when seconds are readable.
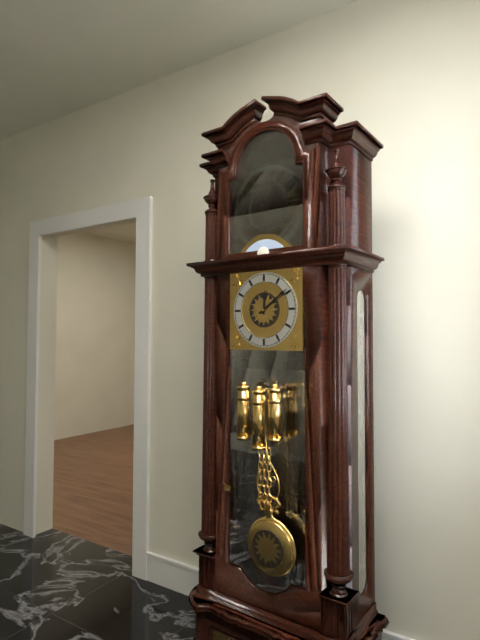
**12:09**
